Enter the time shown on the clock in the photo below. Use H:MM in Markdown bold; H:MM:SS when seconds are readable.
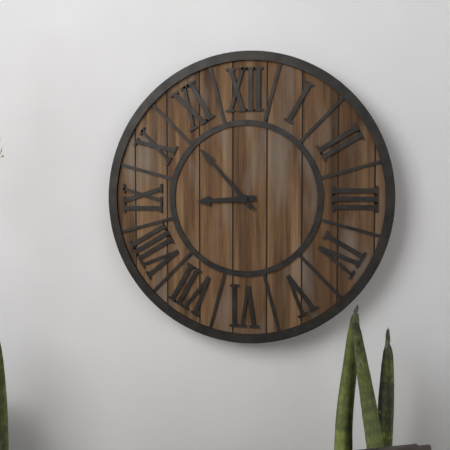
**8:53**
